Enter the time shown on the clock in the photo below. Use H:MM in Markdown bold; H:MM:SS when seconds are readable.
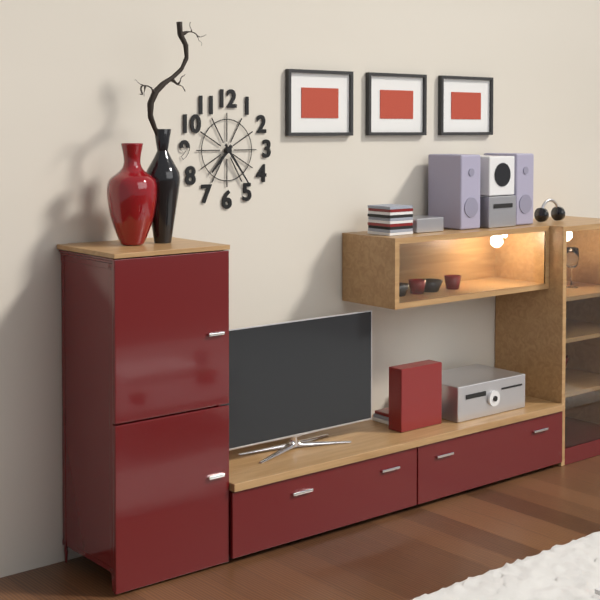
**7:24**
